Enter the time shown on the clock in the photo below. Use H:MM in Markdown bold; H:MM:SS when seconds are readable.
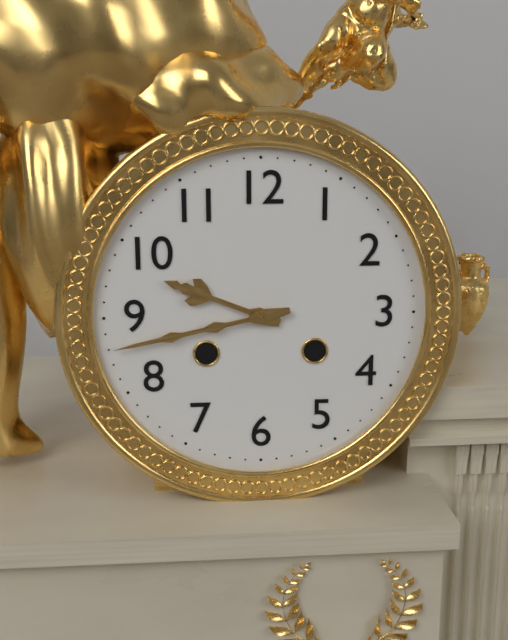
**9:43**
